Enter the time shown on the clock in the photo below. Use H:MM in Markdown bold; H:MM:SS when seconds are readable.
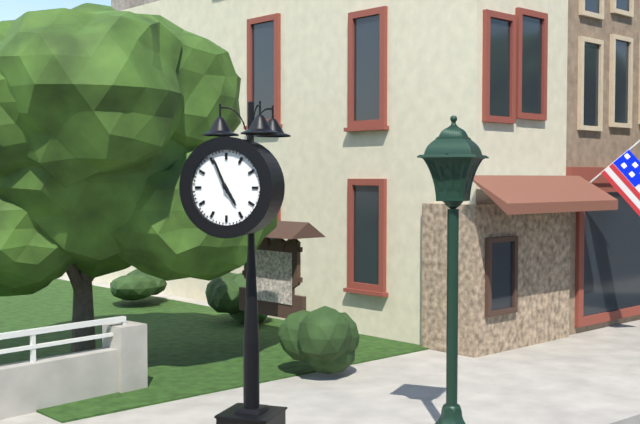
**4:56**
